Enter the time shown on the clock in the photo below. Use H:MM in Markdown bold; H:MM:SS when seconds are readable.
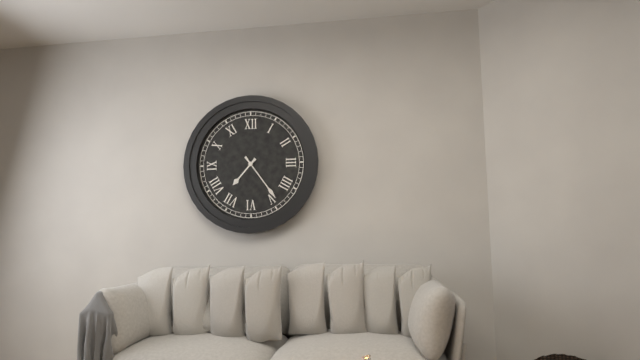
**7:24**
